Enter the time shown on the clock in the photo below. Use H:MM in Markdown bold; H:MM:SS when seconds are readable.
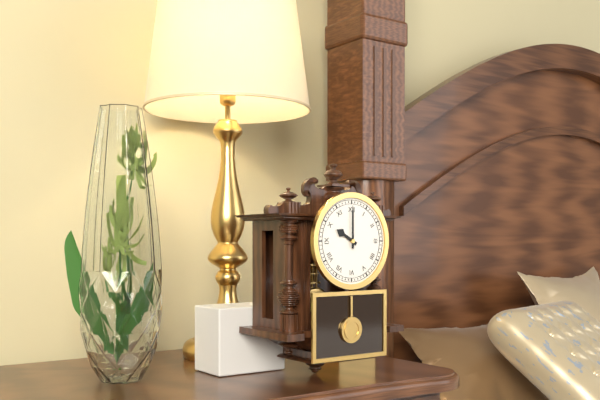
**10:00**
